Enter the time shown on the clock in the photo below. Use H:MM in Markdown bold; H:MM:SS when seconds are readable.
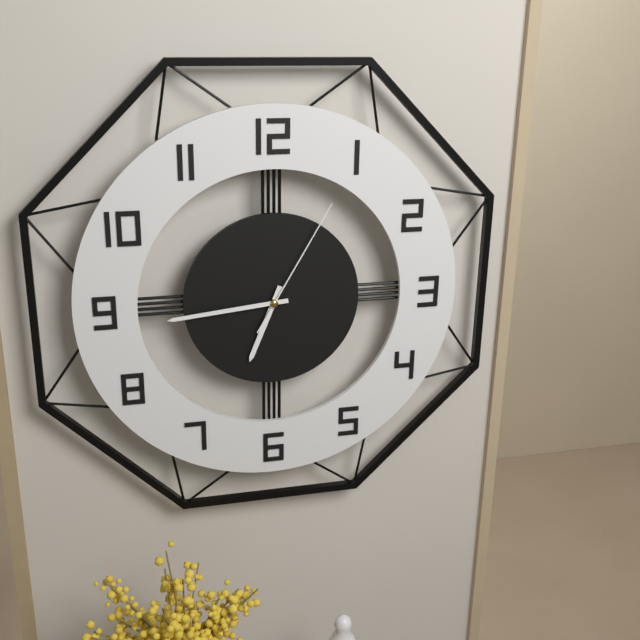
**6:44:05**
